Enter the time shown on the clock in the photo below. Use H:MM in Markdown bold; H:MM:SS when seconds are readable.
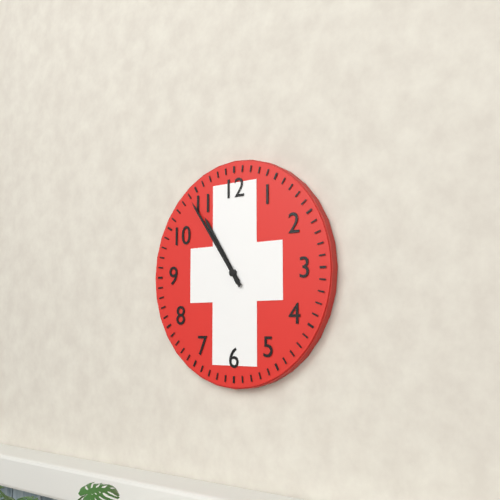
**10:54**
